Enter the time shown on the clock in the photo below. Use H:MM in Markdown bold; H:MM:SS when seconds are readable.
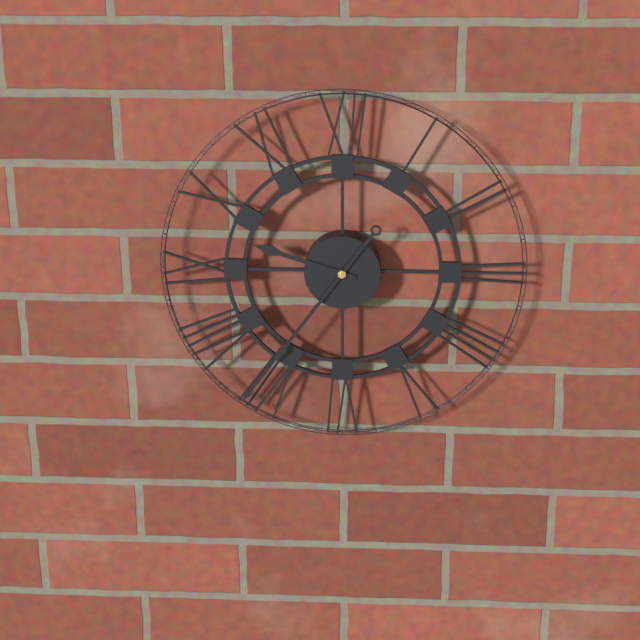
**9:36**
